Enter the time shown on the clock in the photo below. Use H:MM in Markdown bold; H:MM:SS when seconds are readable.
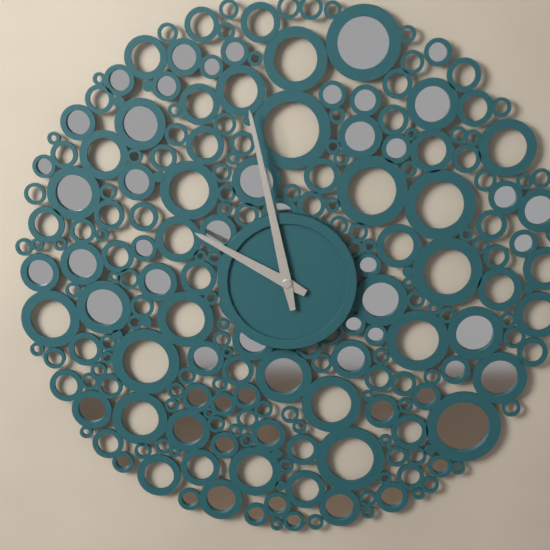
**9:58**
